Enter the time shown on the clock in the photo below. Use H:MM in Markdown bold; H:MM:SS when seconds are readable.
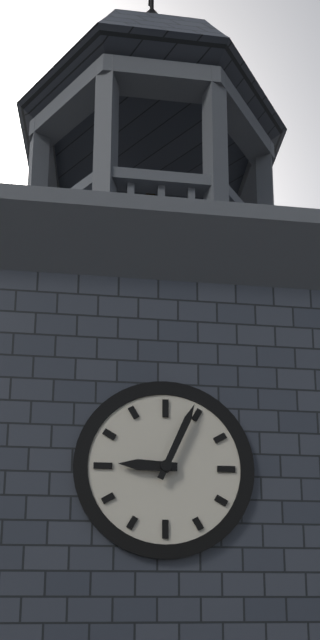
**9:04**
